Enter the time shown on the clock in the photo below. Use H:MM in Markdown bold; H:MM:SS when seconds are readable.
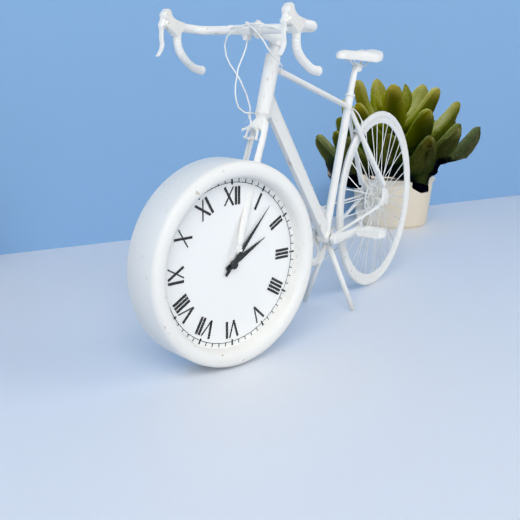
**2:07**
